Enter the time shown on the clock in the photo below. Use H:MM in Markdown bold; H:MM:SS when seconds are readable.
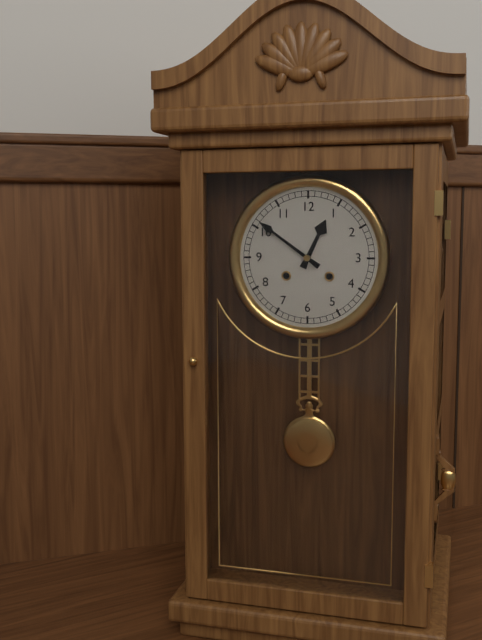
**12:51**
